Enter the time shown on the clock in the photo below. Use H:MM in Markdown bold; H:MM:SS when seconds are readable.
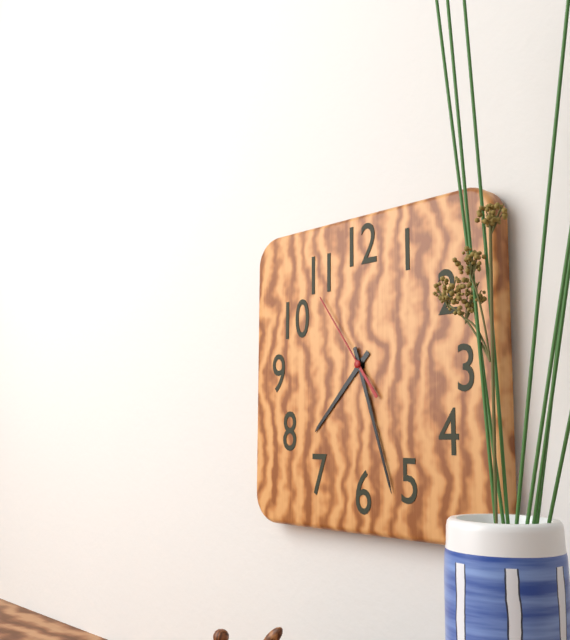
**7:27:54**
